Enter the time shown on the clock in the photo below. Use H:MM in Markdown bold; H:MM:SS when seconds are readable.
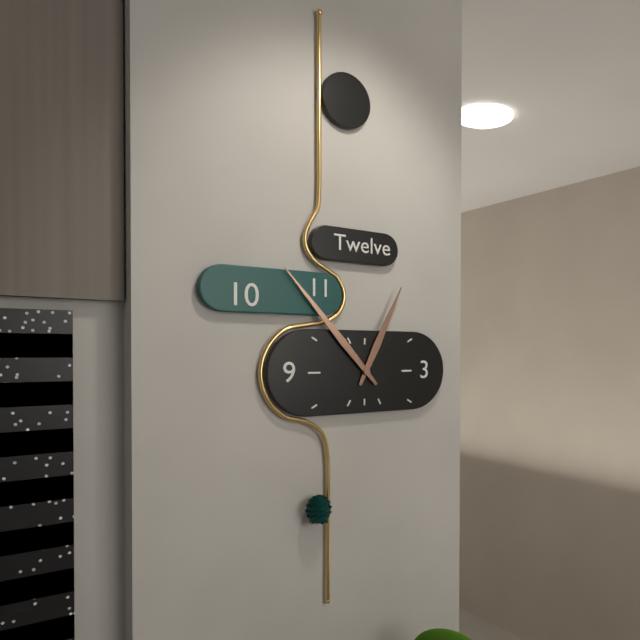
**12:53**
